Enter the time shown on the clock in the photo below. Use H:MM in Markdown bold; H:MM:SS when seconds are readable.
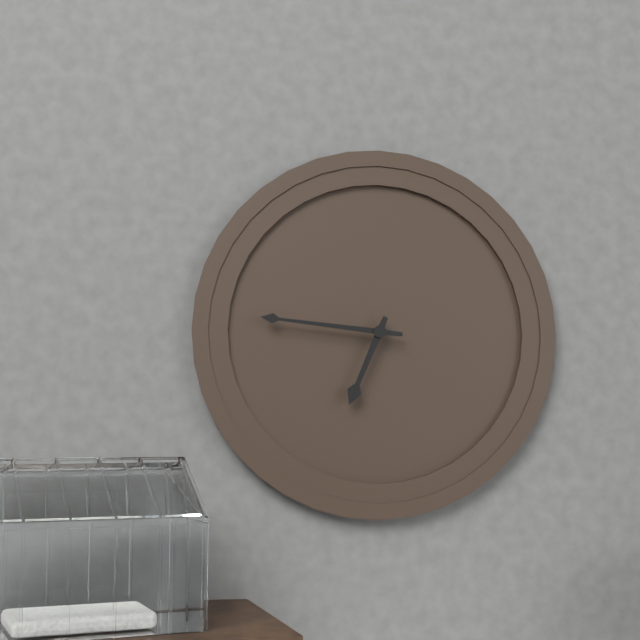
**6:46**
